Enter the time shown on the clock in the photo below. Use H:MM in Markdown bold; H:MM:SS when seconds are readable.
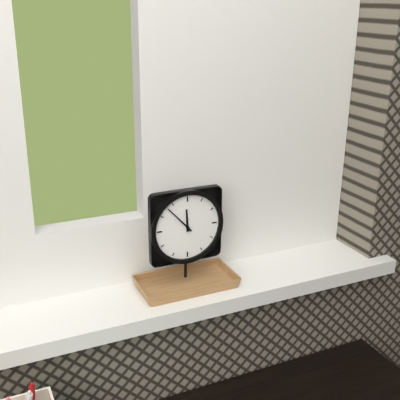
**11:53**
